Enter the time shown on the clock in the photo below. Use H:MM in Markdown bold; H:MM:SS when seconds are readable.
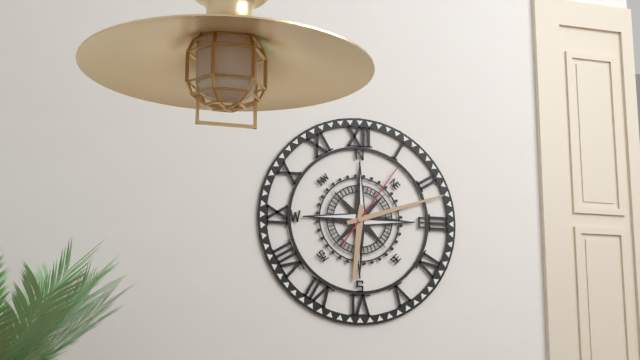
**6:12:06**
